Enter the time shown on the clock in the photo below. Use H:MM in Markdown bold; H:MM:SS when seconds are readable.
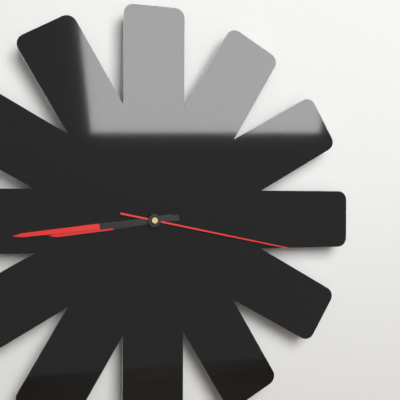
**8:44:17**
